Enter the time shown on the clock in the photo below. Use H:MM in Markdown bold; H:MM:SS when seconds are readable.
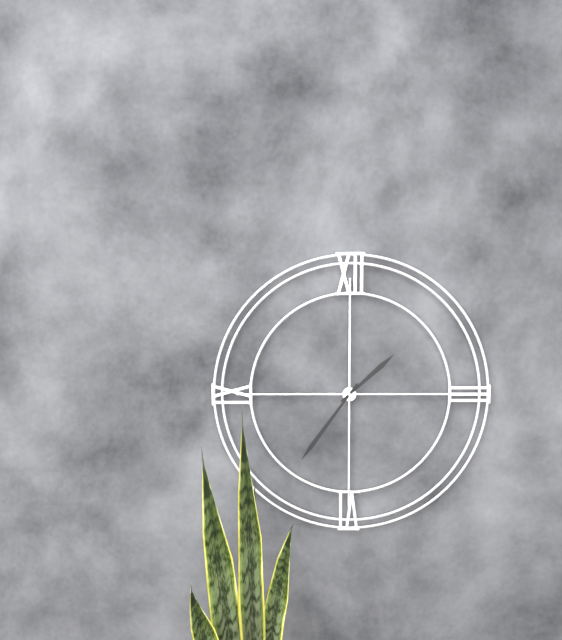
**1:36**
